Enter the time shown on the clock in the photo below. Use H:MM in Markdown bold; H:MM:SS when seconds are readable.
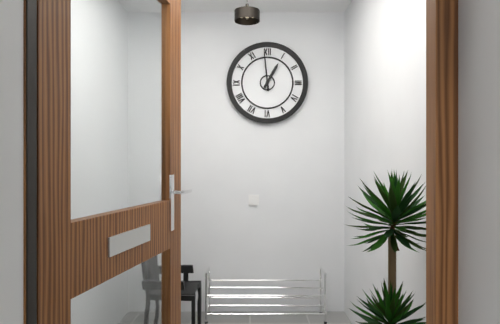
**12:59**
